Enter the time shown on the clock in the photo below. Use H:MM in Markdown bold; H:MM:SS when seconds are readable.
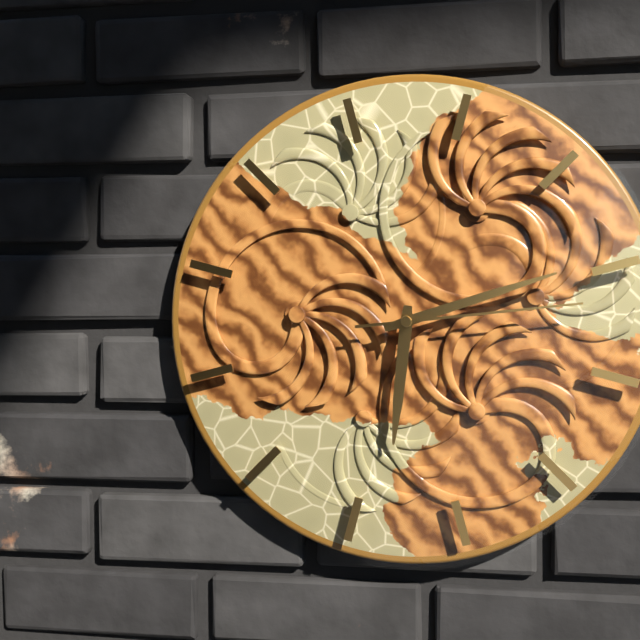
**6:12:14**
